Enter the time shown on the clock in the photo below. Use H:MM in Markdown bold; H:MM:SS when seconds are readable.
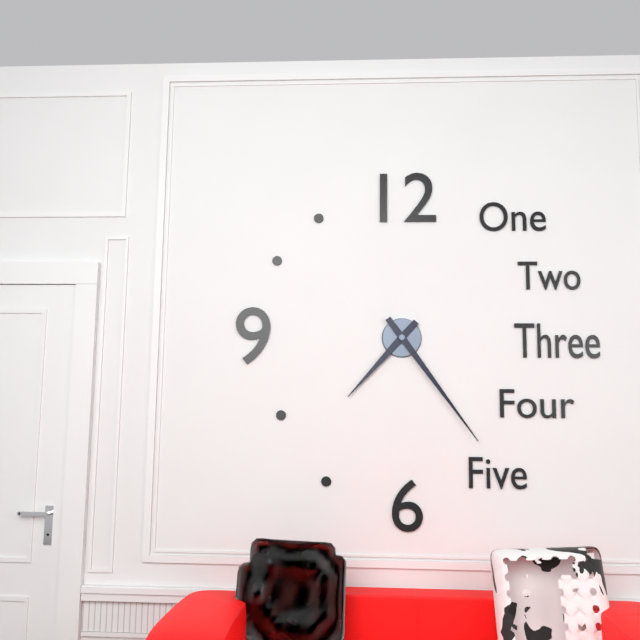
**7:24**
